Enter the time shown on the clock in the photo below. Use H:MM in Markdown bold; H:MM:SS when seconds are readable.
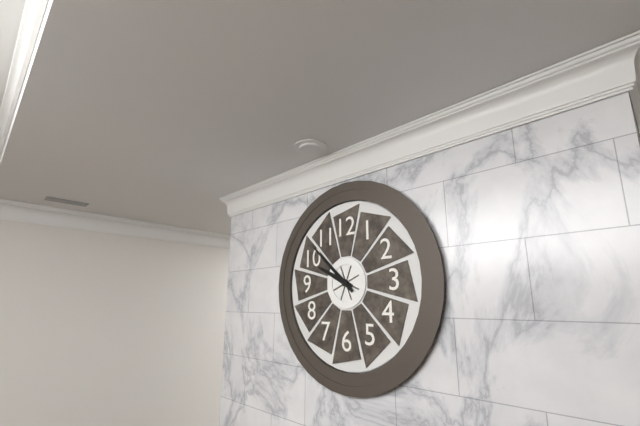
**9:52**
